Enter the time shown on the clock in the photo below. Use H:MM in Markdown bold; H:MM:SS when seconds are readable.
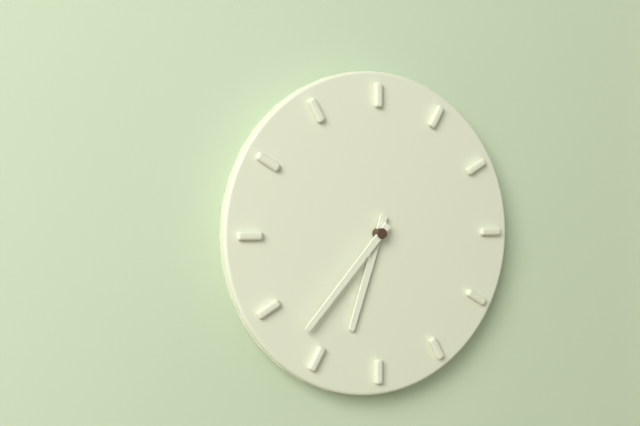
**6:37**
